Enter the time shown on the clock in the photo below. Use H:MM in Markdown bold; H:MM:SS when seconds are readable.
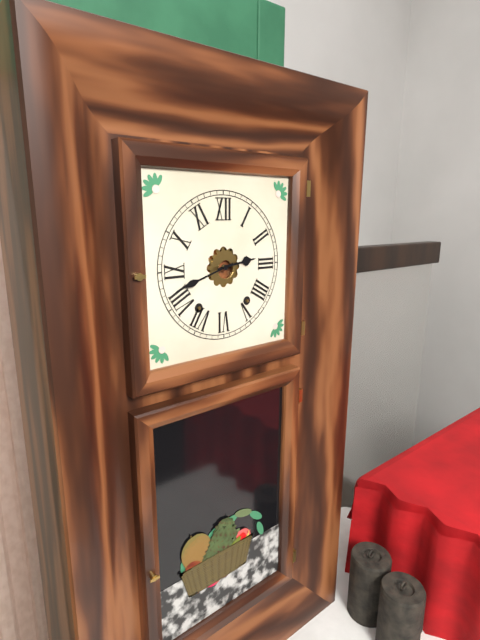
**2:42**
